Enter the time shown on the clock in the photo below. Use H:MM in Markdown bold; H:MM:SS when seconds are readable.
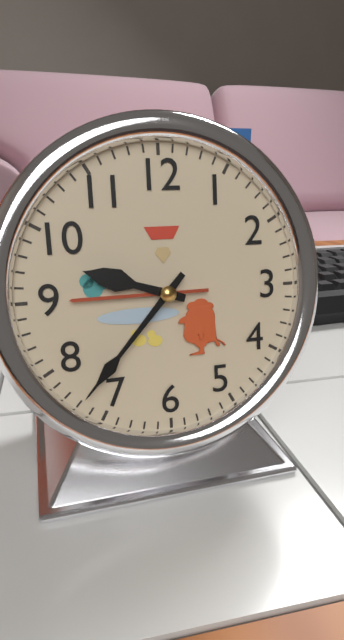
**9:37**
